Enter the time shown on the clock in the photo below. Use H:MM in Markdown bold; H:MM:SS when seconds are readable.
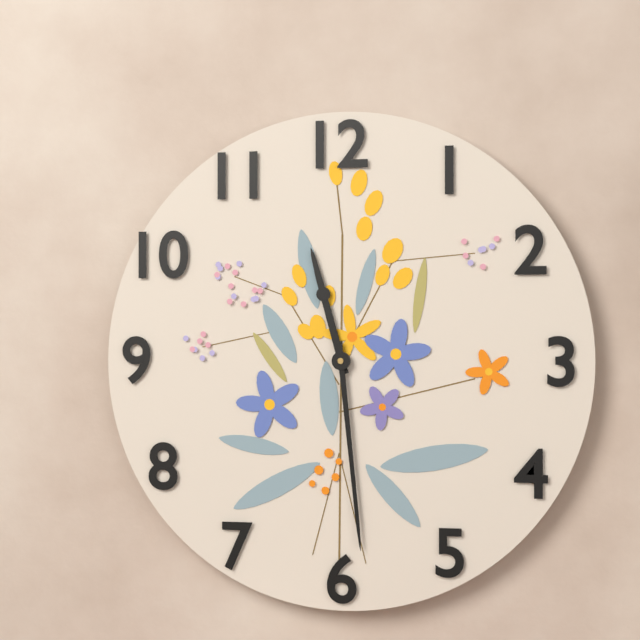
**11:29**
